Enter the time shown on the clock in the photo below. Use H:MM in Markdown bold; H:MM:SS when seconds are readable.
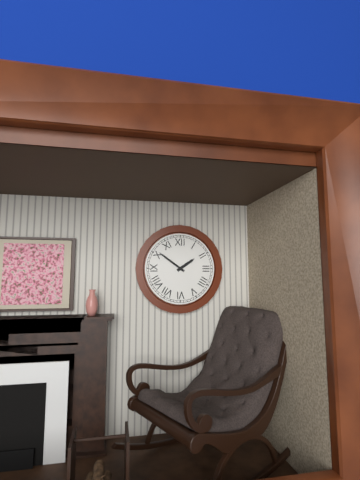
**1:51**
